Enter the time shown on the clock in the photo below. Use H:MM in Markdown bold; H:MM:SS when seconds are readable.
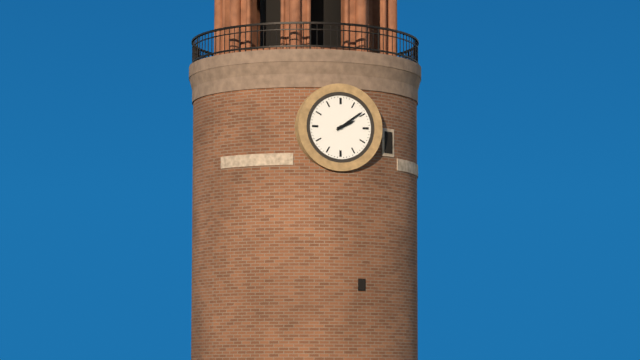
**2:09**
